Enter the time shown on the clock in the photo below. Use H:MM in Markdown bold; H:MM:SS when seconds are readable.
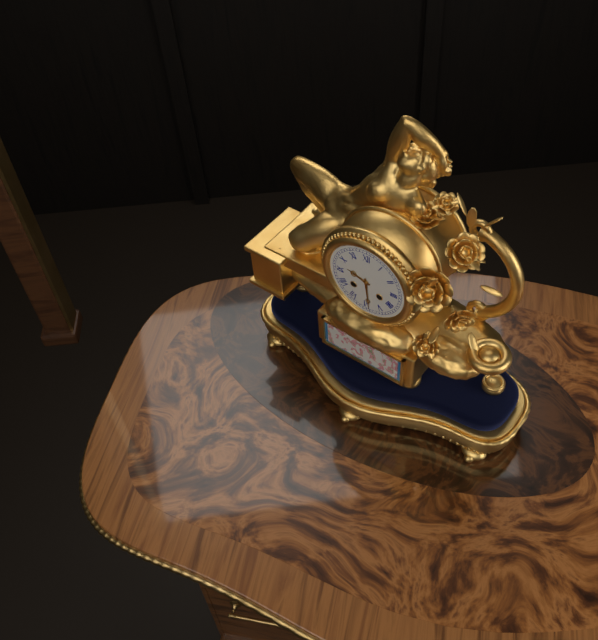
**9:29**
